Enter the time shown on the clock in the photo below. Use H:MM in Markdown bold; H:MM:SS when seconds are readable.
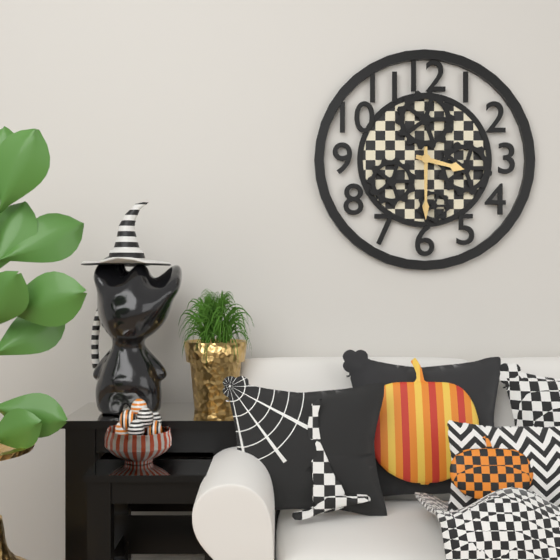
**3:30**
